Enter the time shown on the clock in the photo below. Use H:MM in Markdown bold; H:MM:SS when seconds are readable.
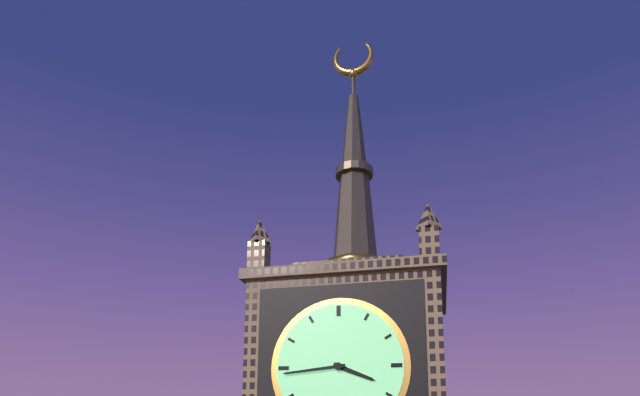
**3:44**
